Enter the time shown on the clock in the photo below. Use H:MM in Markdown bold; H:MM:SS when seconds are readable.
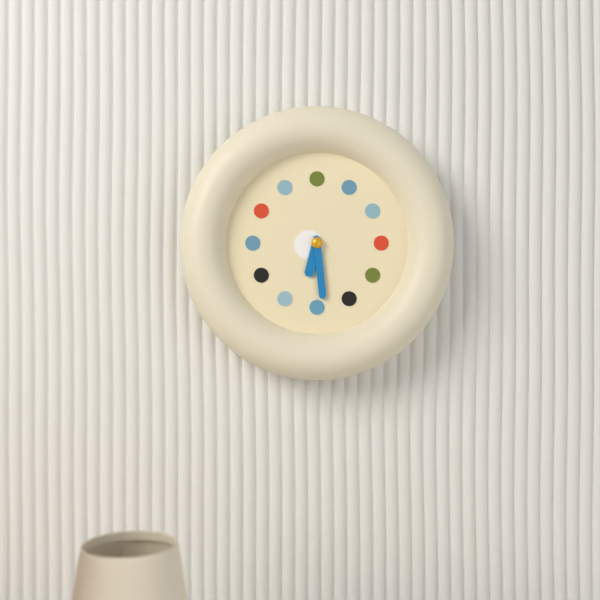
**6:29**
